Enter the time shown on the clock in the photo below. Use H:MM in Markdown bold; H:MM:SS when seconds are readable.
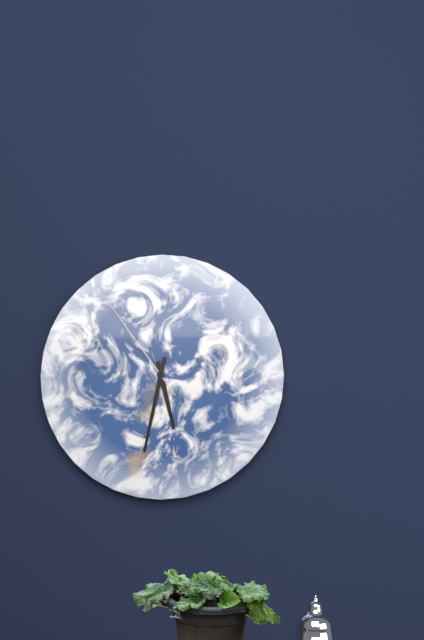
**5:32:54**
